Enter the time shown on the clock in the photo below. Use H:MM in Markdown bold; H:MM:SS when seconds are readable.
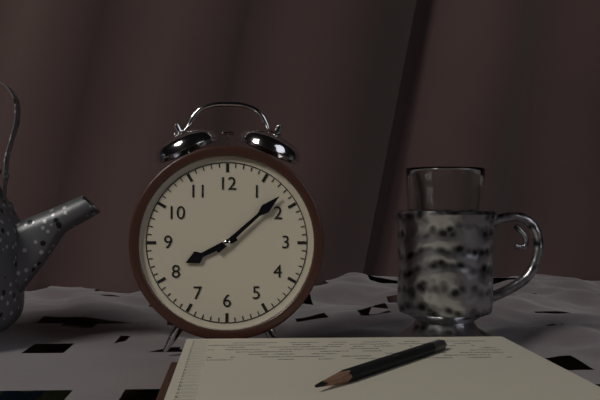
**8:08**
